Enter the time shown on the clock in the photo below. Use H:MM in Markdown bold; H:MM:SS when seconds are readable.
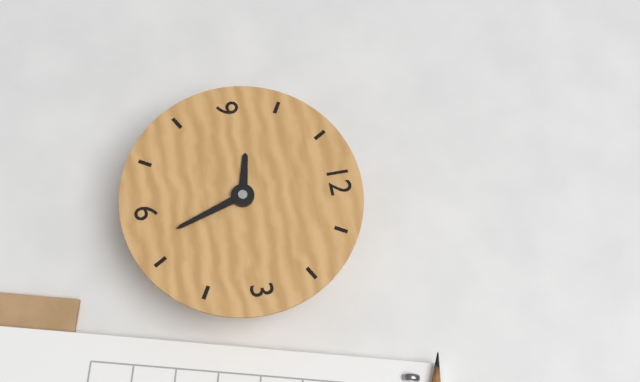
**9:27**
